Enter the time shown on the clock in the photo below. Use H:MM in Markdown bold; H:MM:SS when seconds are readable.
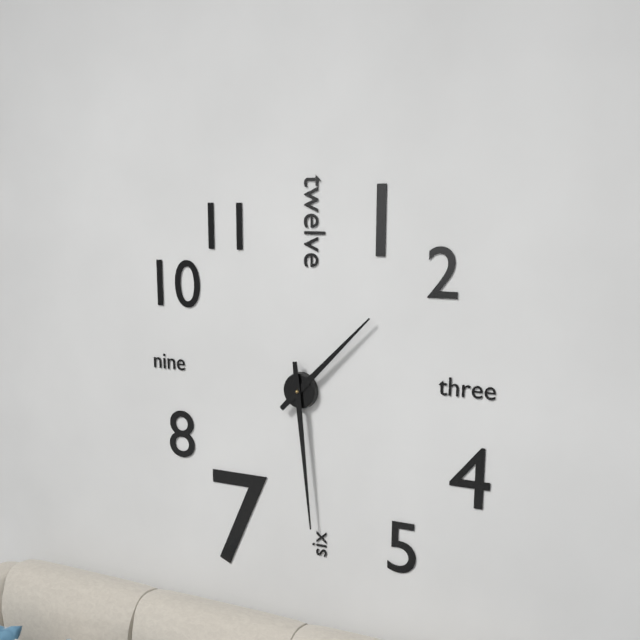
**1:29**
